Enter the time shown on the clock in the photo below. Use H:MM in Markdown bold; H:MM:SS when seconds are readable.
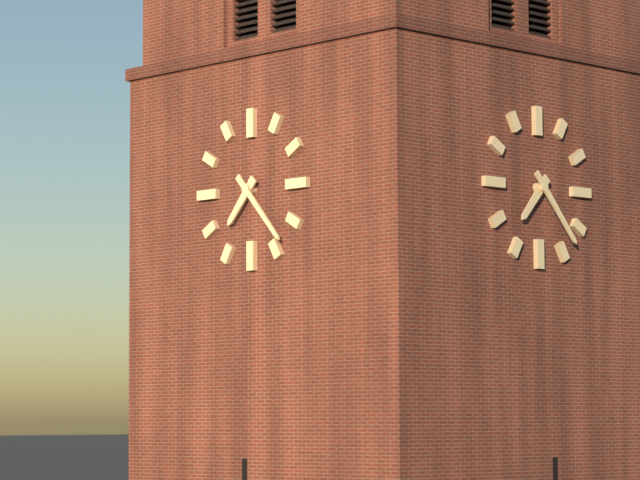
**7:23**
